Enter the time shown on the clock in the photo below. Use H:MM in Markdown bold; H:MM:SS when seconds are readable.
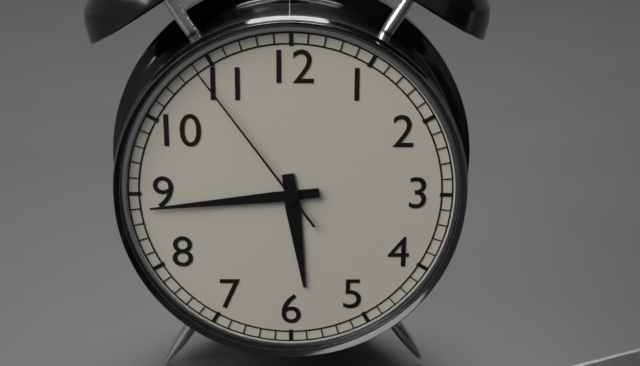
**5:44:54**
